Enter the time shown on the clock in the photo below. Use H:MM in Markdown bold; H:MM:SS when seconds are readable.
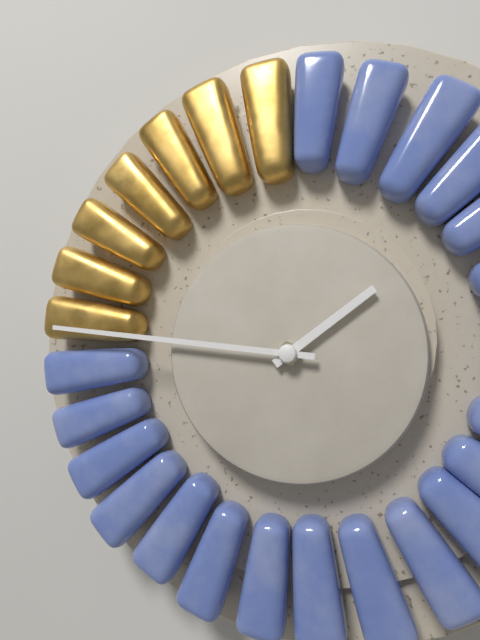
**1:46**
